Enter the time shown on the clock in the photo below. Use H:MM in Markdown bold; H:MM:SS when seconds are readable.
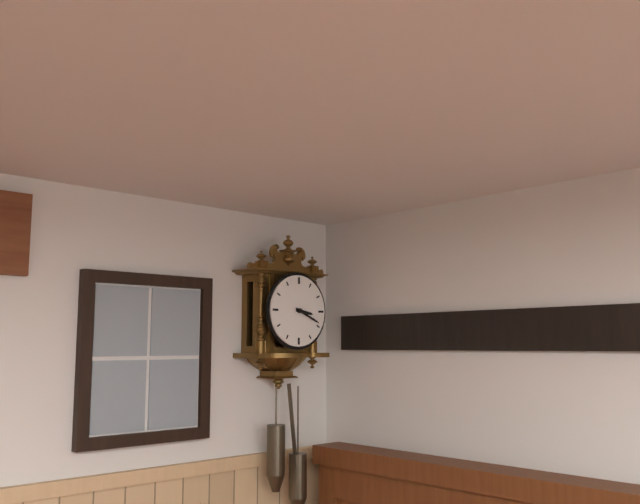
**3:19**
